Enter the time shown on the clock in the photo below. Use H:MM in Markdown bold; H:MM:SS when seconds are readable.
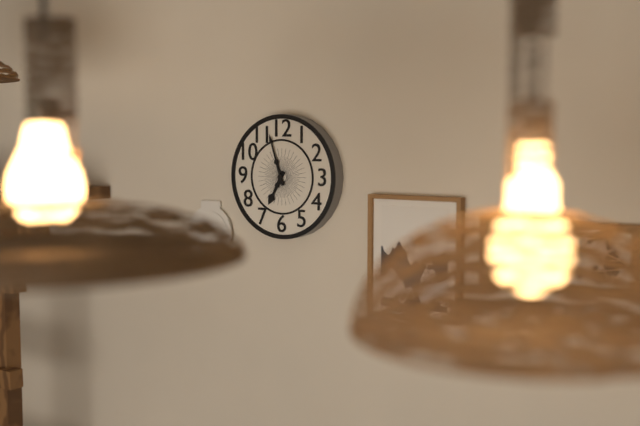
**6:57**
